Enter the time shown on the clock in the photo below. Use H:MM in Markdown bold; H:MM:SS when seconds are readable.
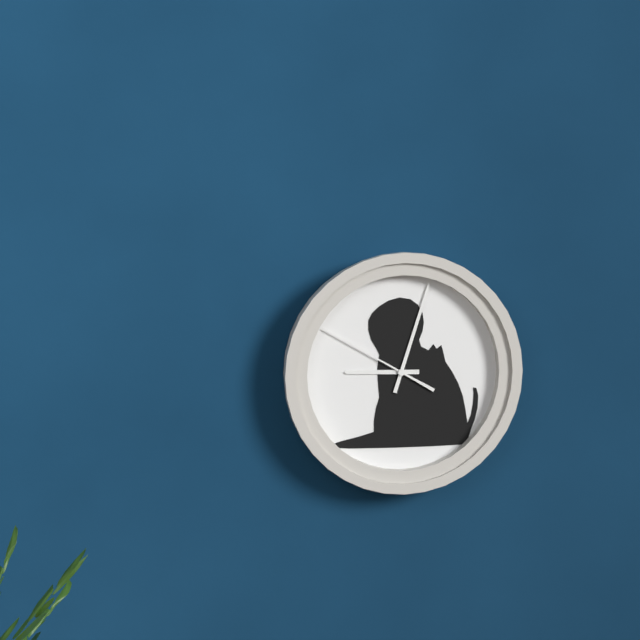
**9:03:50**
